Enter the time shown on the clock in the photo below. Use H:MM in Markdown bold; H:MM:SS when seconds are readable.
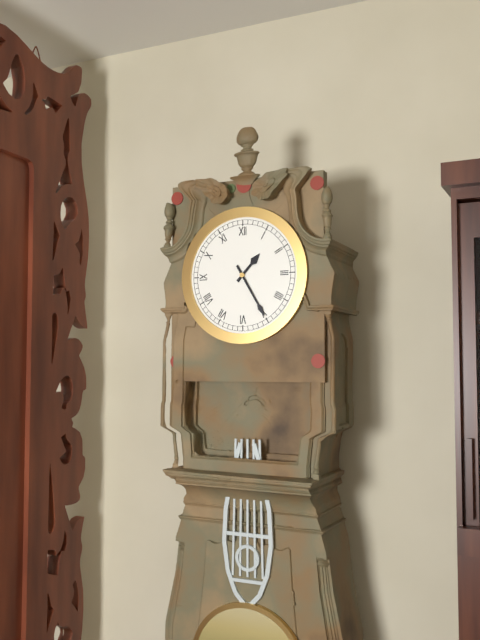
**1:25**
